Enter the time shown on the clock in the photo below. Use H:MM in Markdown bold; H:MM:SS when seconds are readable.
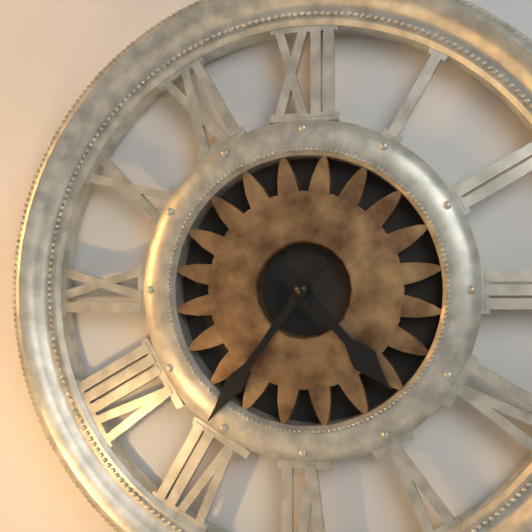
**4:36**
